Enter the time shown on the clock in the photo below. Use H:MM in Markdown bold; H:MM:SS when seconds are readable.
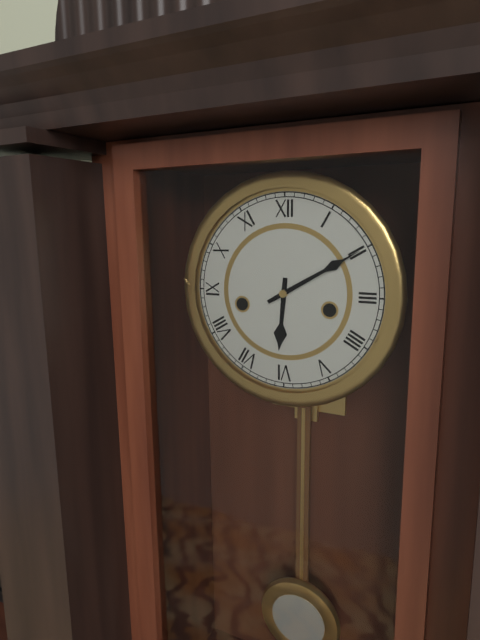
**6:10**
